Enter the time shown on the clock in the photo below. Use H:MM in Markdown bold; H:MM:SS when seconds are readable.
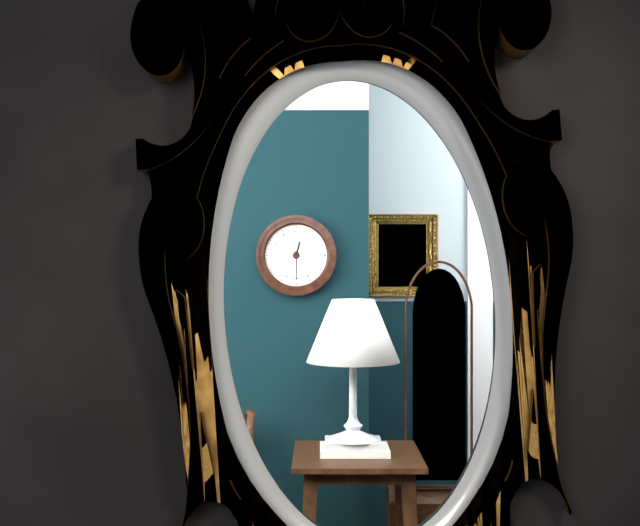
**12:30**
